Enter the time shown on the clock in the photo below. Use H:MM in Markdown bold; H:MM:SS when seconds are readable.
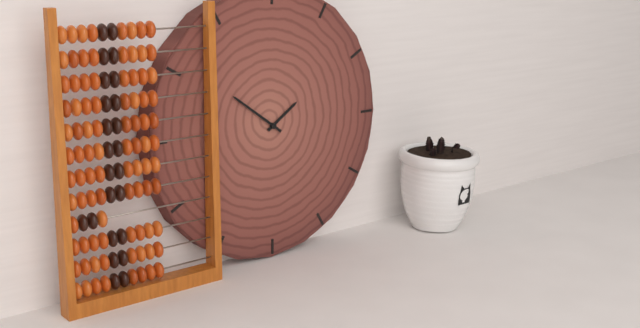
**1:51**
